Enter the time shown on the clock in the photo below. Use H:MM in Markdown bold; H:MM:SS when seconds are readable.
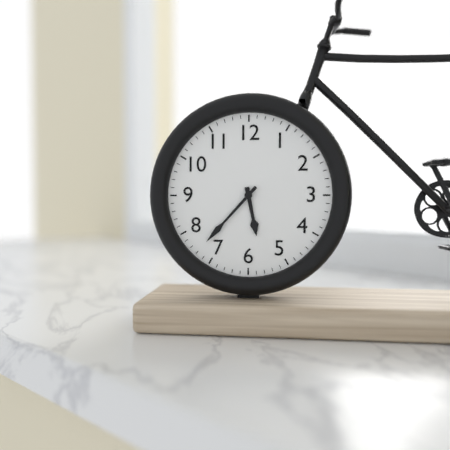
**5:37**
